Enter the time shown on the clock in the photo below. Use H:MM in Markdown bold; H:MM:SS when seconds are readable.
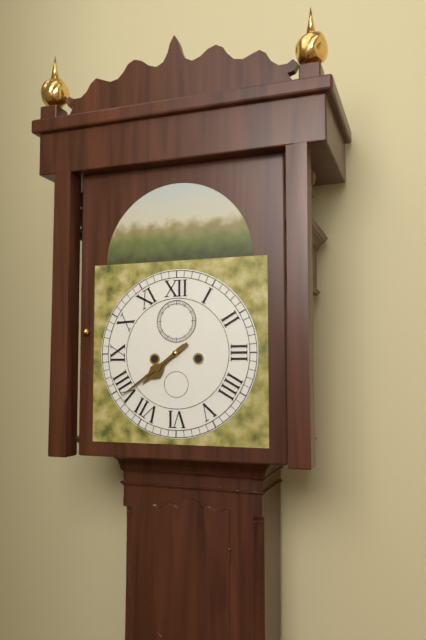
**7:39**
